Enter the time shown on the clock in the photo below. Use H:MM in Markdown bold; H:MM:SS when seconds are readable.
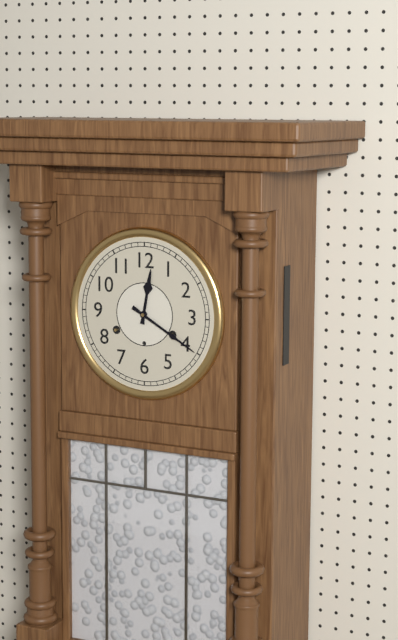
**12:20**
